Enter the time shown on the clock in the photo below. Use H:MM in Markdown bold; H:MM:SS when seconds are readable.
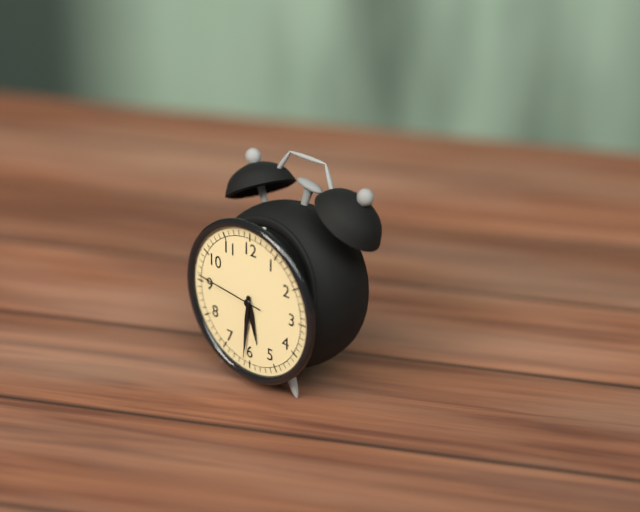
**5:31:46**
